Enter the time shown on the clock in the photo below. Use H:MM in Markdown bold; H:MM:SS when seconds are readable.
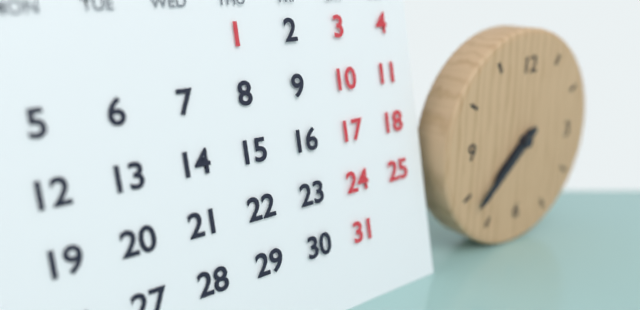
**7:38**
